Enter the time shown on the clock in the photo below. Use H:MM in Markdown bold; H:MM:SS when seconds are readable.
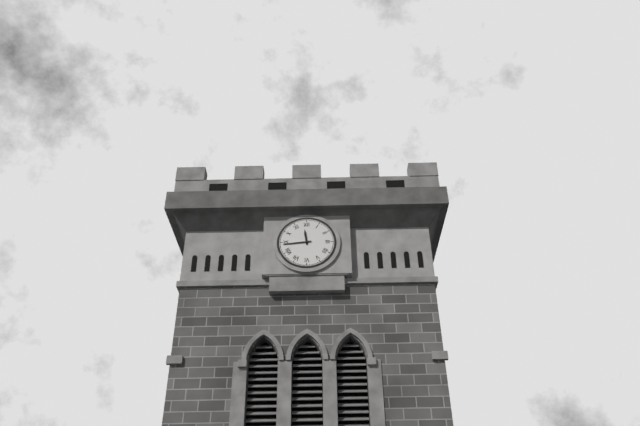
**11:44**
